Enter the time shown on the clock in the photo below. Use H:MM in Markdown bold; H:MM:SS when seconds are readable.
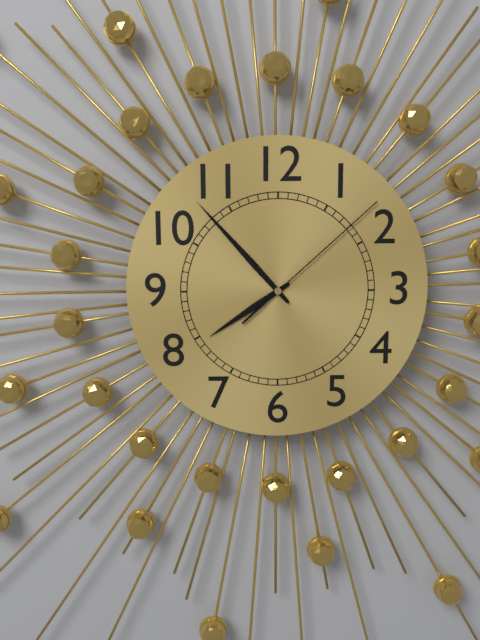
**7:53:08**
